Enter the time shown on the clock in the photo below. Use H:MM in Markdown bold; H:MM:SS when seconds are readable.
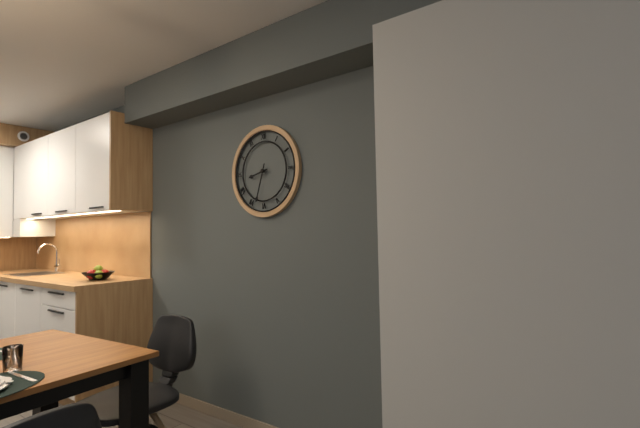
**8:33**
